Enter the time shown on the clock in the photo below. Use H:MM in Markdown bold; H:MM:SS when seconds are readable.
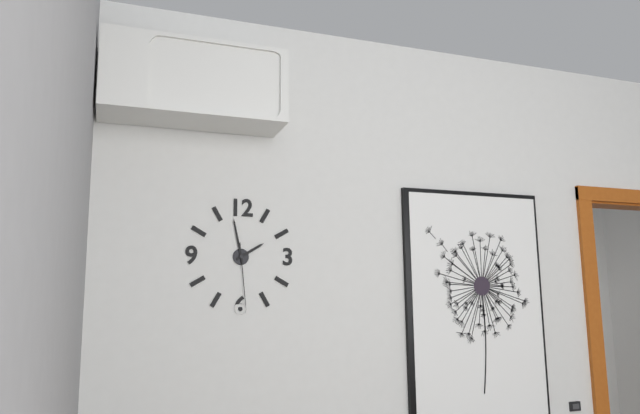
**1:58:29**
